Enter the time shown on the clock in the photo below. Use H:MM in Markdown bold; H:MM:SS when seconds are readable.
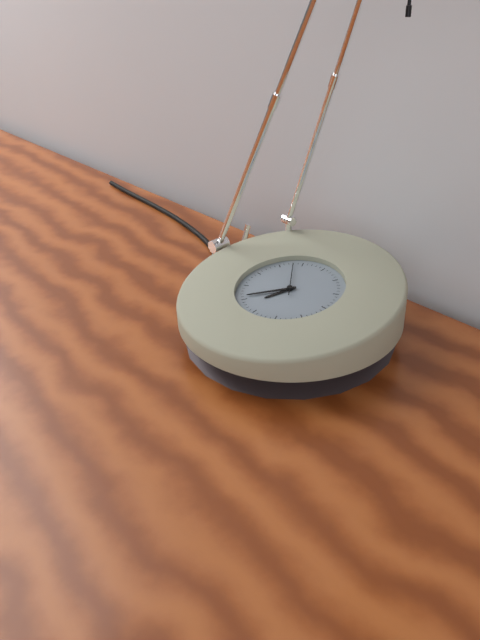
**6:36**
